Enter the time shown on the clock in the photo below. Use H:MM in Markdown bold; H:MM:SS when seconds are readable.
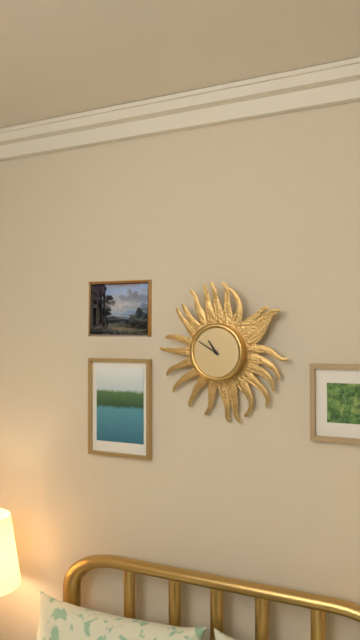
**10:50**
